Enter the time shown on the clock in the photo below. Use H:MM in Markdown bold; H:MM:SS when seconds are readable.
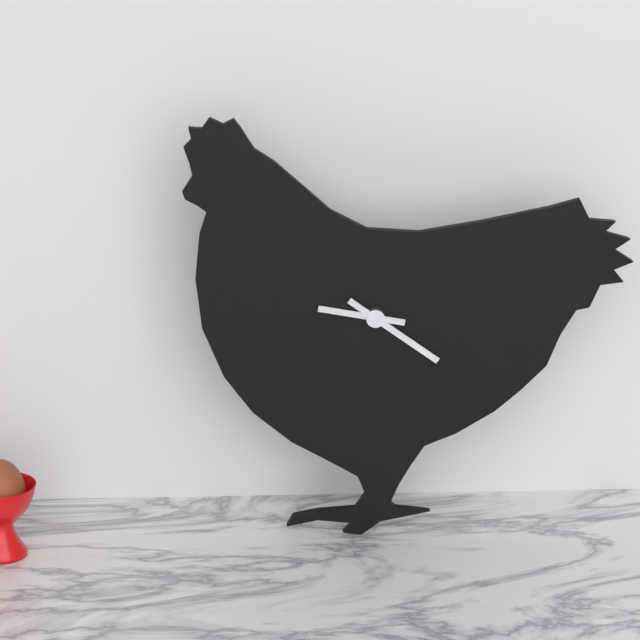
**9:21**
